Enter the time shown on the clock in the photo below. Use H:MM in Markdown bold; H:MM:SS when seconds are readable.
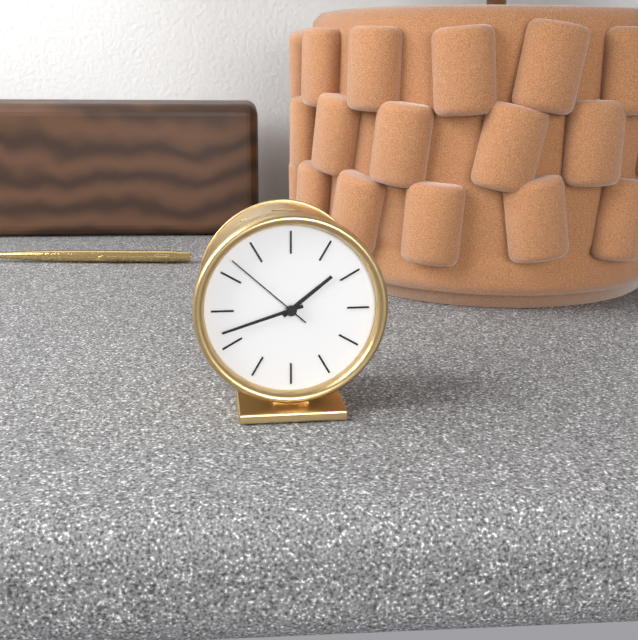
**1:42:52**
